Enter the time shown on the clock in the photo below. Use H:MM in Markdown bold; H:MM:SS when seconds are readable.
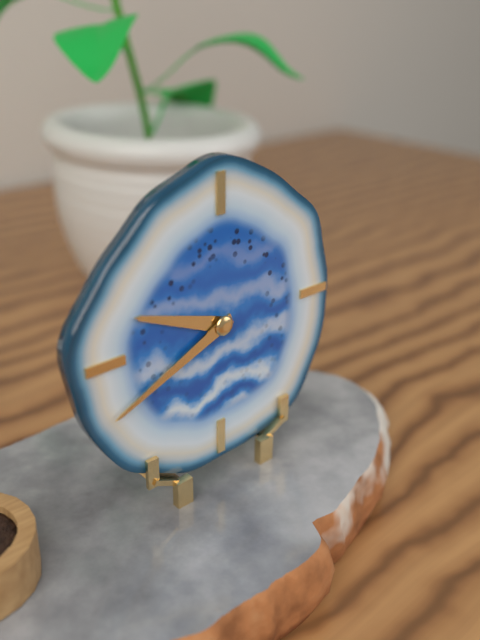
**9:41**
